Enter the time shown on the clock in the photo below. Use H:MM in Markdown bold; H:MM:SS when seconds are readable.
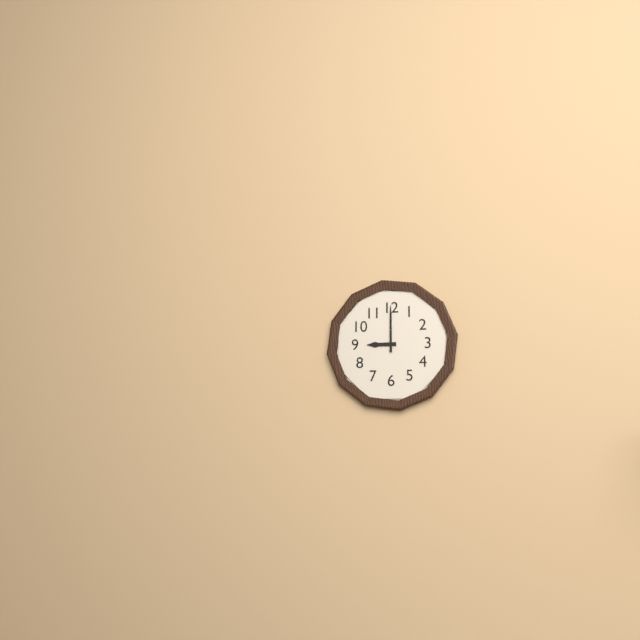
**9:00**
